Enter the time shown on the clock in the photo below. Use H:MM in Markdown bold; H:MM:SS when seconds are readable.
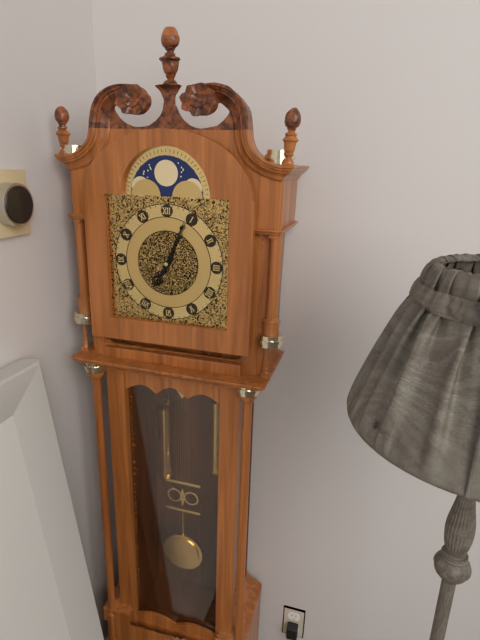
**7:04**
